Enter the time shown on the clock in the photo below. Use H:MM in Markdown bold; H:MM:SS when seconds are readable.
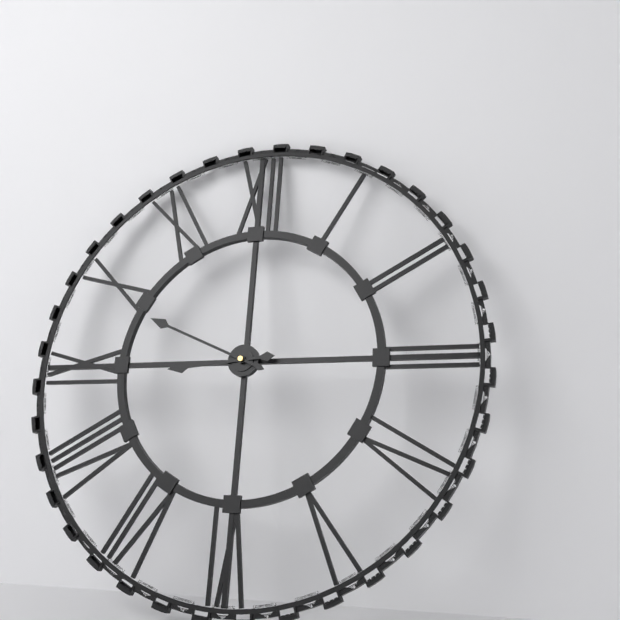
**8:49**
